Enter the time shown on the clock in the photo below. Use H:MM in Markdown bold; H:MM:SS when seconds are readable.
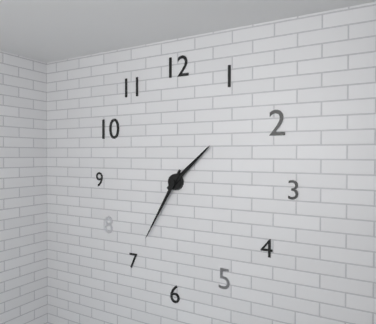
**1:35**
